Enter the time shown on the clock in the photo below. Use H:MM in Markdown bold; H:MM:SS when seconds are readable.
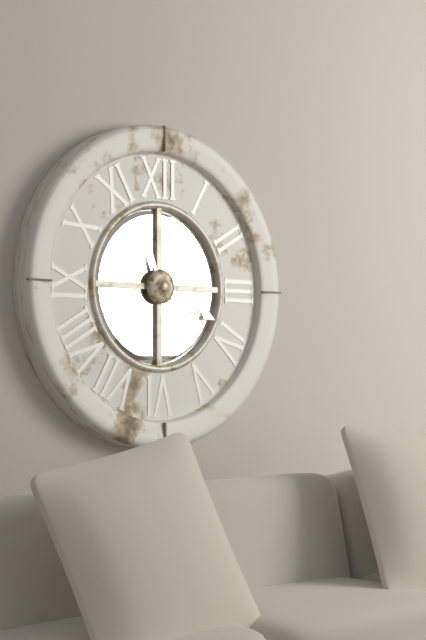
**11:19**
